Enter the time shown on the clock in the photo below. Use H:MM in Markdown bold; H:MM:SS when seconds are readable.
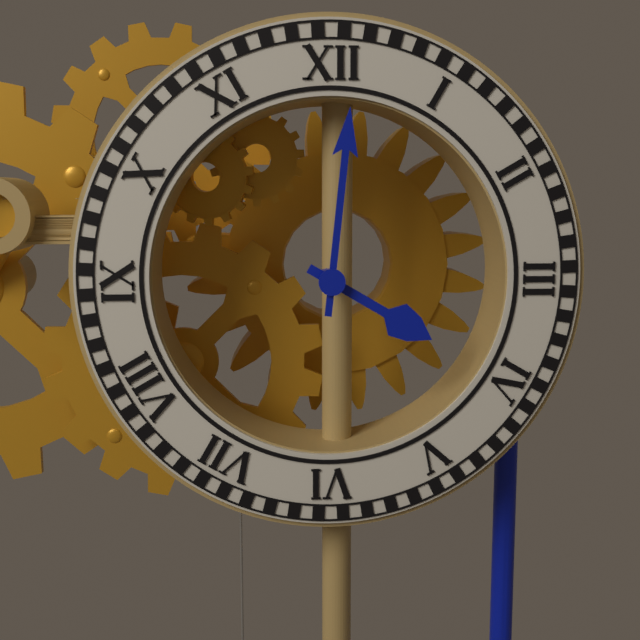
**4:01**
